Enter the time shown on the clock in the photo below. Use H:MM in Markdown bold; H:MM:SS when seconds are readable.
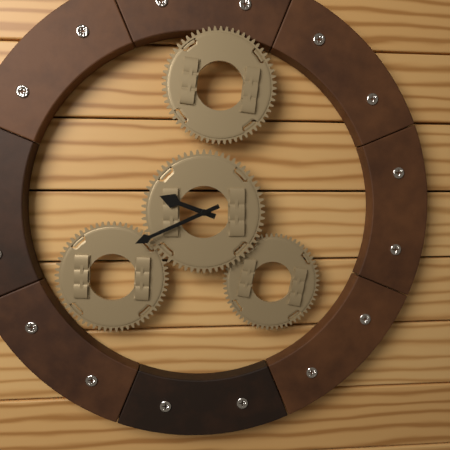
**9:41**
